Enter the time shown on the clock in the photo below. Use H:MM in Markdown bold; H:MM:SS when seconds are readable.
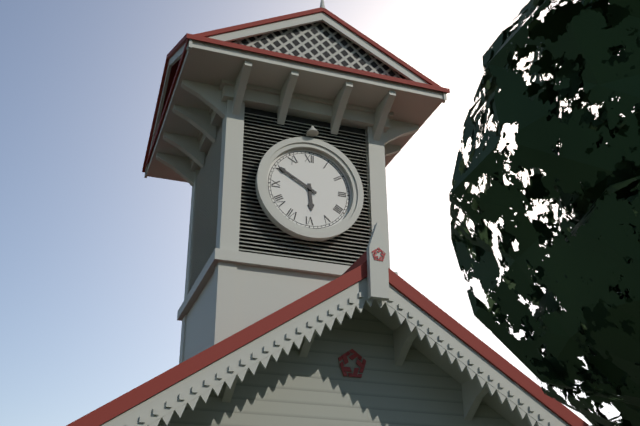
**5:50**
